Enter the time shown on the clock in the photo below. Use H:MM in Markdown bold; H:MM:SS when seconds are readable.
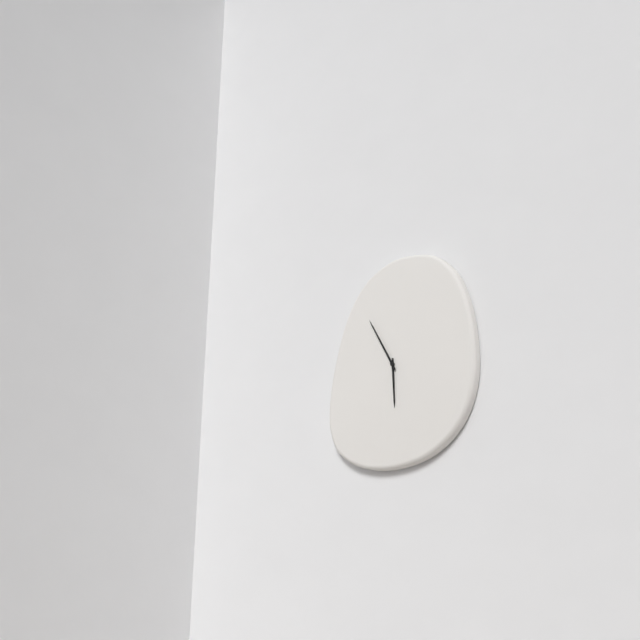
**5:55**
